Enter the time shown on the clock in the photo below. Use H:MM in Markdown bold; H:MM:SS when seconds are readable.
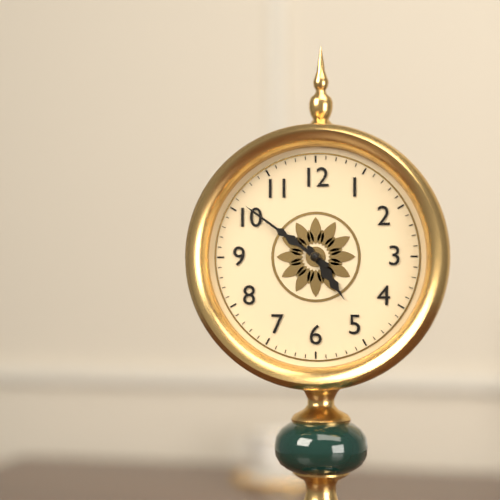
**4:51**
